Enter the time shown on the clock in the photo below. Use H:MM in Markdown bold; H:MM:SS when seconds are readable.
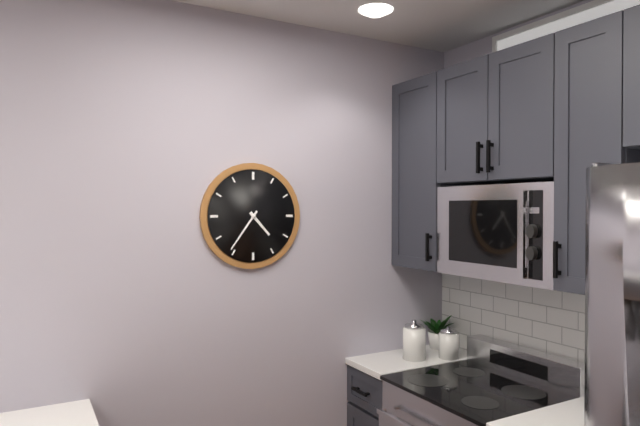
**4:36**
